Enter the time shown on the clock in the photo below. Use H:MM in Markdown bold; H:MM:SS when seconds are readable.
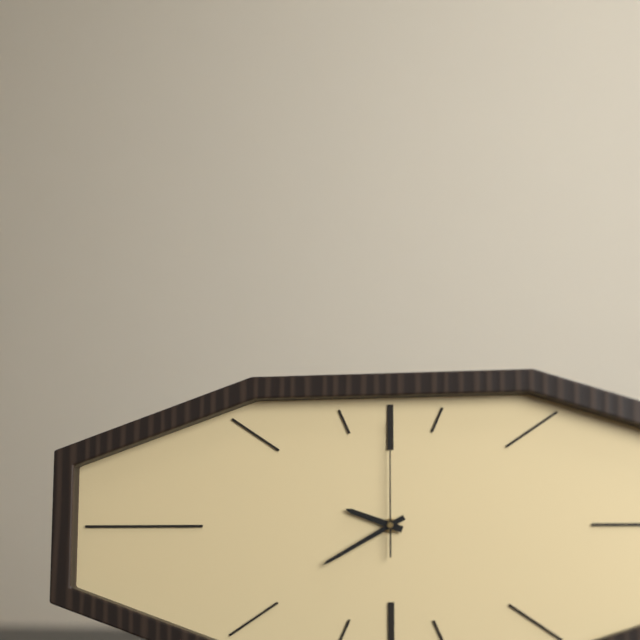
**9:40:00**
